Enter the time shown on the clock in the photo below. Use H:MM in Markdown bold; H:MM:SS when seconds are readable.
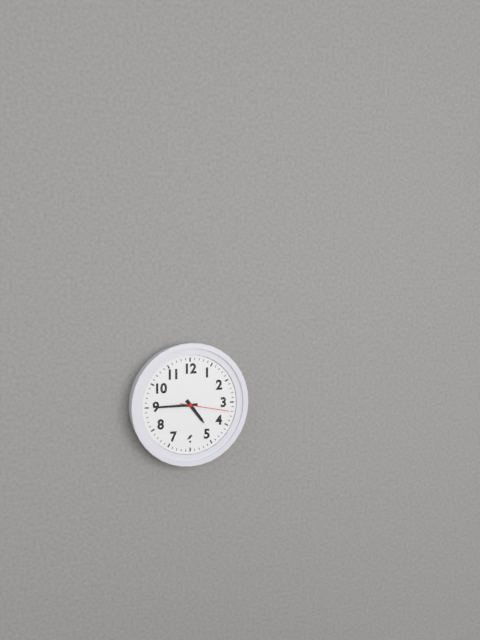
**4:45**
